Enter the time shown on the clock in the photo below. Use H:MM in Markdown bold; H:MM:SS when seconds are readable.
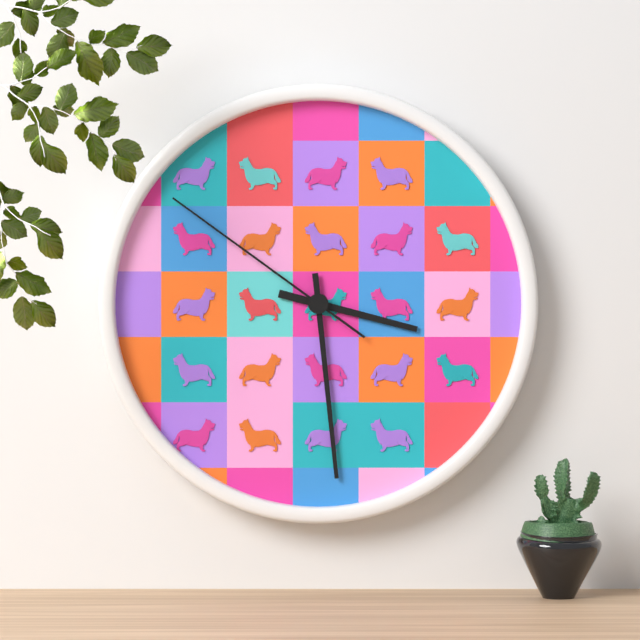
**3:29:51**
